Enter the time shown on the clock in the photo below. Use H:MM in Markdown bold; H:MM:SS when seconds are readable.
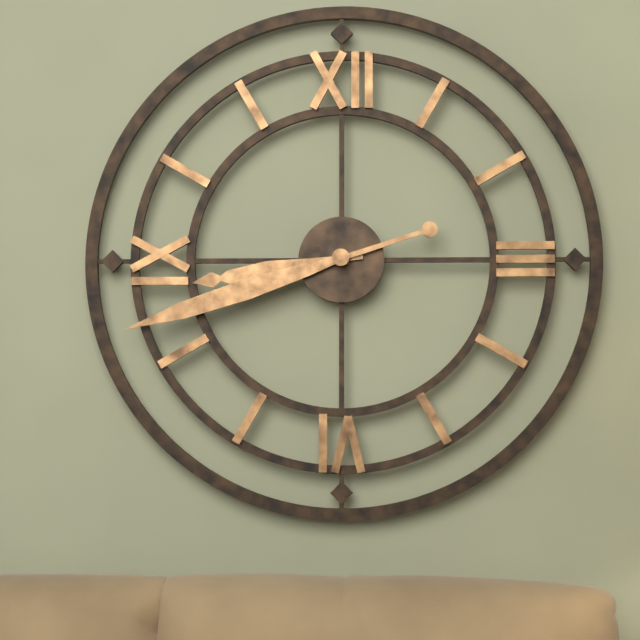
**8:42**
